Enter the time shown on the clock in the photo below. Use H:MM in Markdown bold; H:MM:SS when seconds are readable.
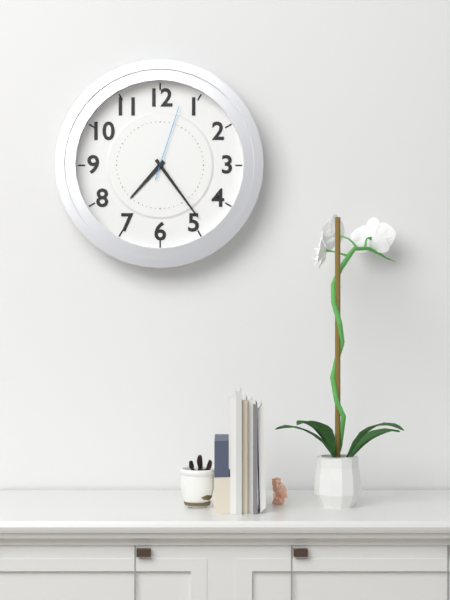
**7:24:03**
